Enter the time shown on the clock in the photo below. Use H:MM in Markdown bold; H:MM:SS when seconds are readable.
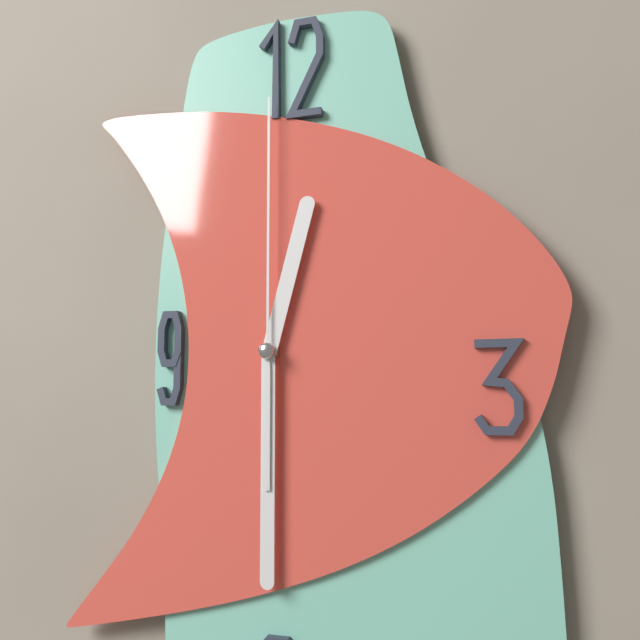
**12:30:00**
